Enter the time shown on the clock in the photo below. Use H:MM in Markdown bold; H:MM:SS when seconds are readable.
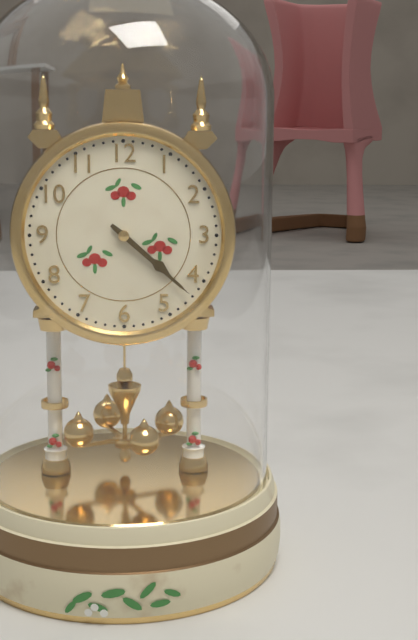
**4:22**
